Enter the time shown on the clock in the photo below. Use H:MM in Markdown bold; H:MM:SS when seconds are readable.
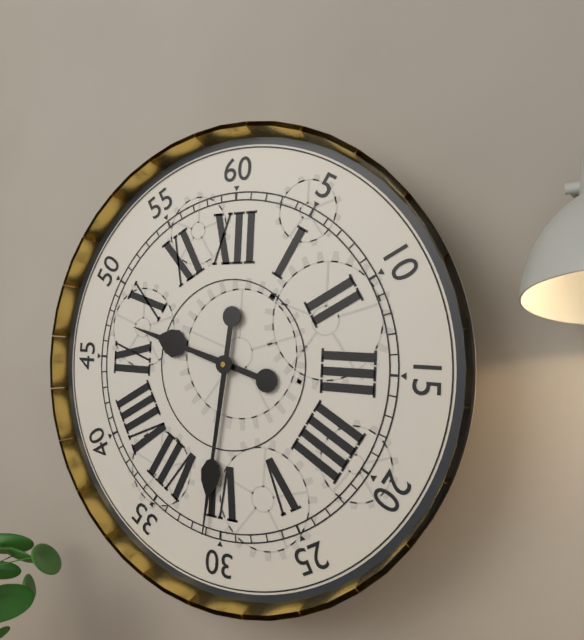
**9:31**
